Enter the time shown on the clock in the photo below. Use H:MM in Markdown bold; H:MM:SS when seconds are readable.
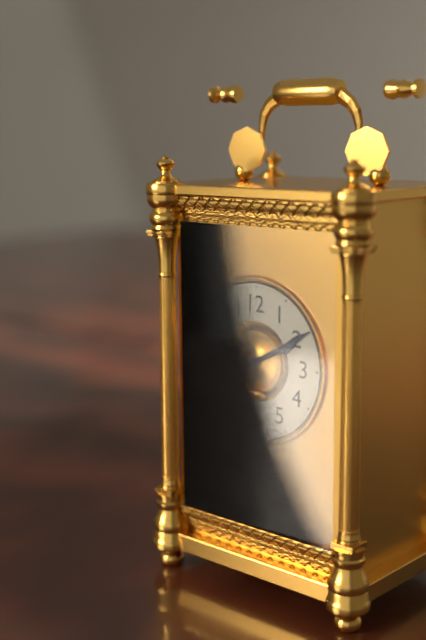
**2:10**
